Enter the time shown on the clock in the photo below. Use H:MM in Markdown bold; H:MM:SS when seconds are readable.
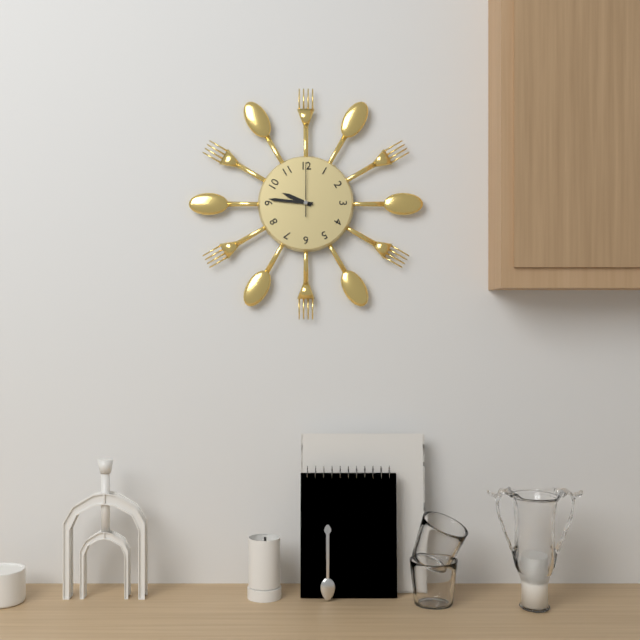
**9:46:00**
